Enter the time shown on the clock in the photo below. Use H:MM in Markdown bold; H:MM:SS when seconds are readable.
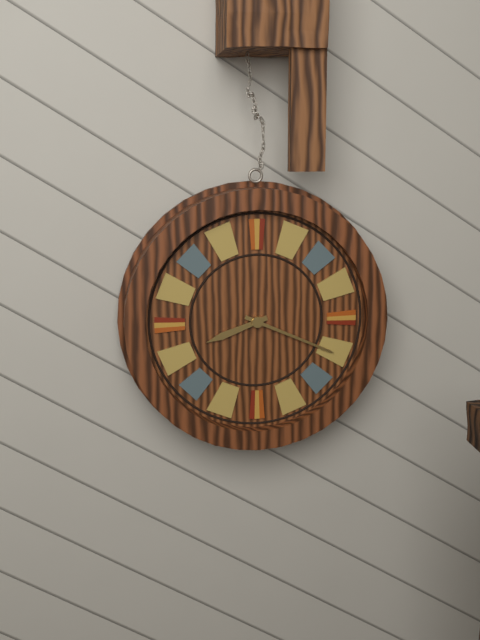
**8:19**
